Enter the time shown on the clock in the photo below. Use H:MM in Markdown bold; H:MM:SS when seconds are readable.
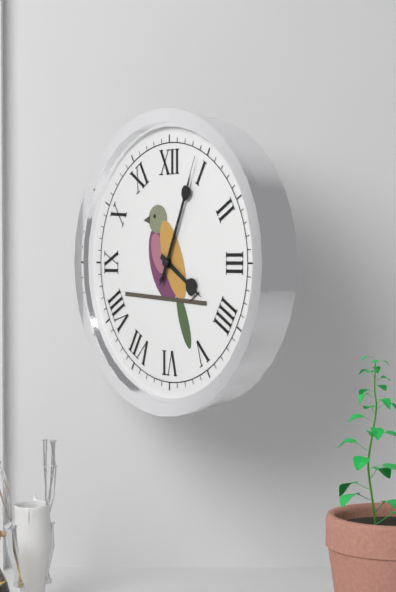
**4:04:04**
